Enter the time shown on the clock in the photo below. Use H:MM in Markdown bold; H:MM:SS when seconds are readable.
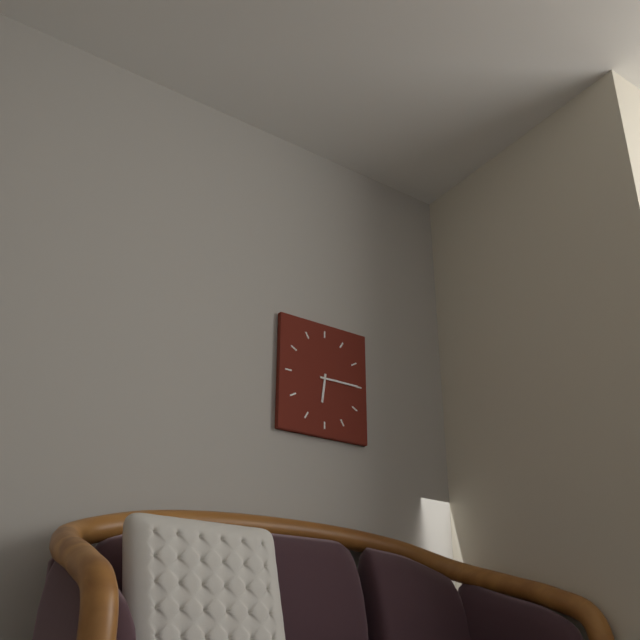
**6:15**
